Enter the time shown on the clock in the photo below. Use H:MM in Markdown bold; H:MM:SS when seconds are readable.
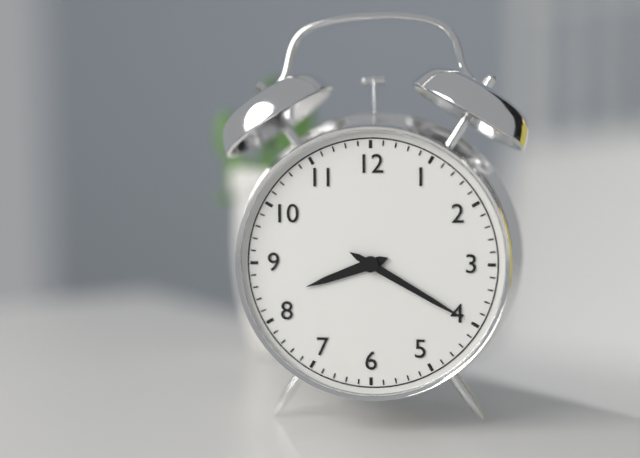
**8:20**
